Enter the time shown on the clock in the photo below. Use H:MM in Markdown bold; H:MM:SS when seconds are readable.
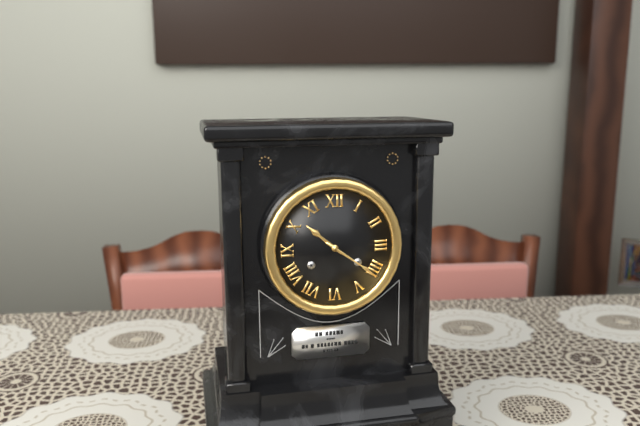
**10:21**
